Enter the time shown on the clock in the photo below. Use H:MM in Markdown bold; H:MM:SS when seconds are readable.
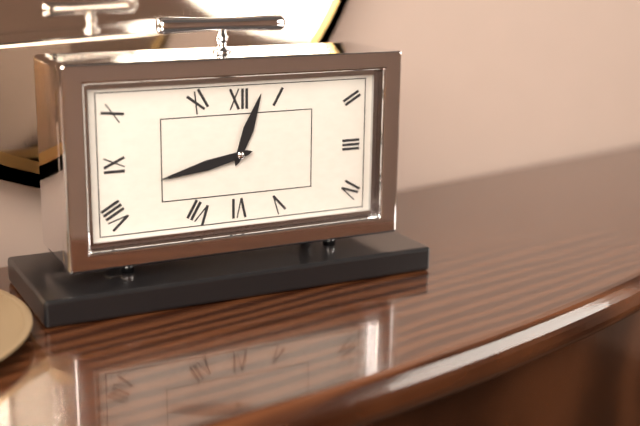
**12:43**
